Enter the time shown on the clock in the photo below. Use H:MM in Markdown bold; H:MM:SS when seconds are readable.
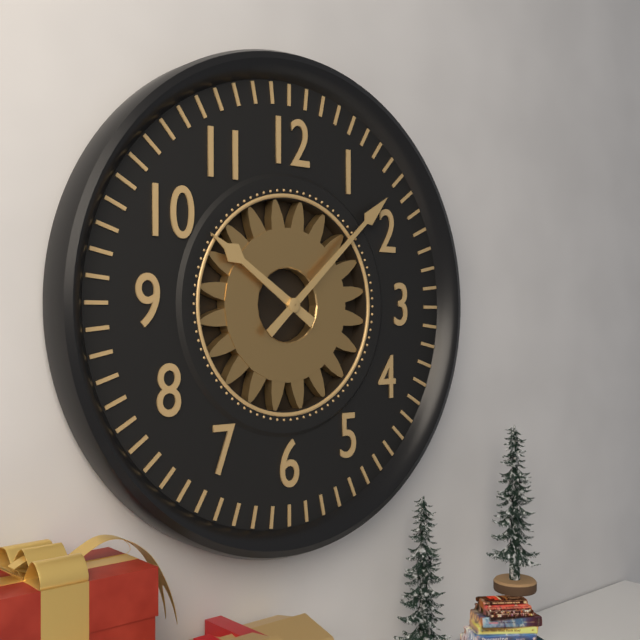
**10:08**
